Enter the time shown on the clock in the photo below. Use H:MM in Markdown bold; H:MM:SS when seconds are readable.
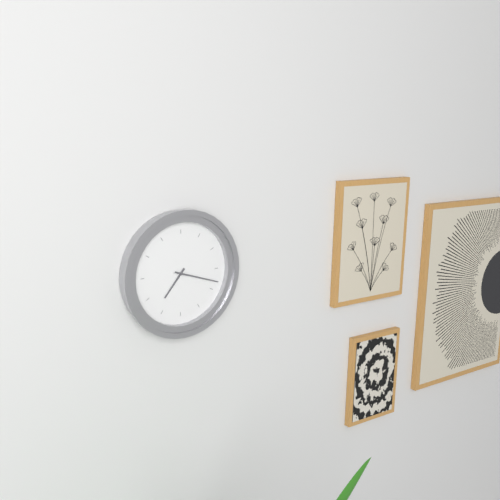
**7:18**
